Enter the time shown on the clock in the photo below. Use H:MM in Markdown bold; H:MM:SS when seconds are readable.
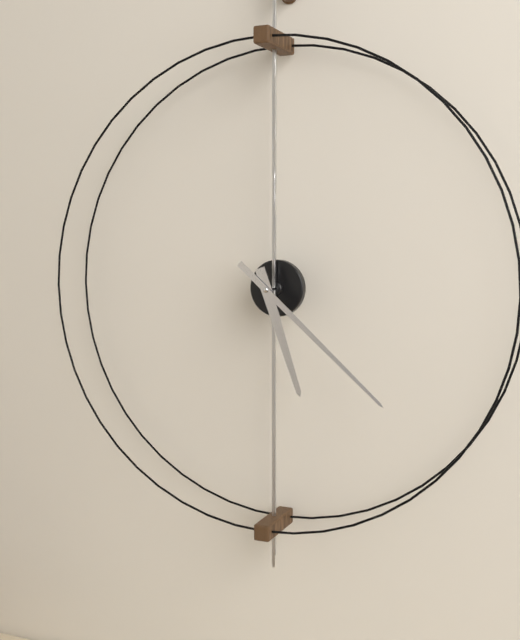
**5:22**
